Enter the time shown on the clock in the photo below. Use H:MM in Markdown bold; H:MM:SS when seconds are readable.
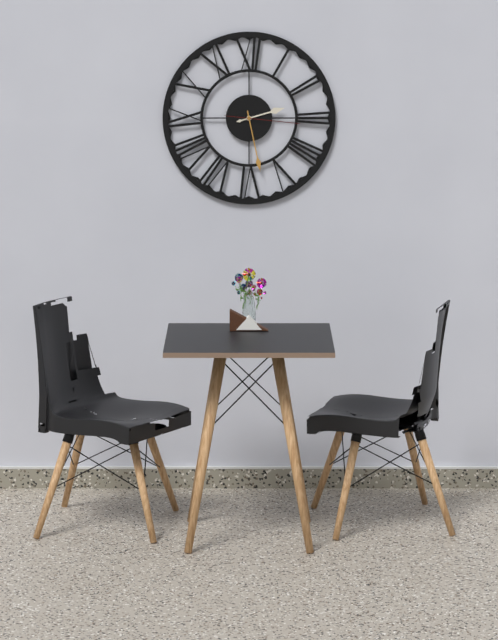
**2:28:16**
